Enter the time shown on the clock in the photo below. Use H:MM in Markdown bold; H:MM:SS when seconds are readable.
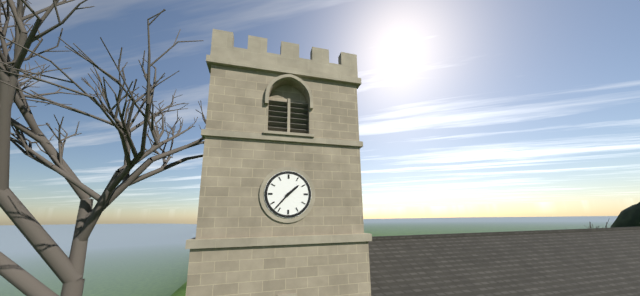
**1:37**
